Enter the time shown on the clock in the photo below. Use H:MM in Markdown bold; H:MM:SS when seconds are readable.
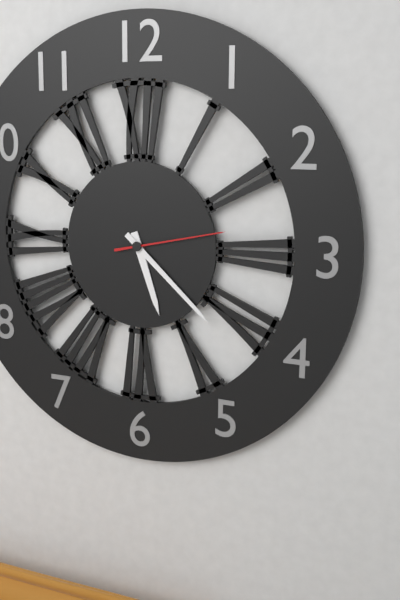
**5:22:13**
